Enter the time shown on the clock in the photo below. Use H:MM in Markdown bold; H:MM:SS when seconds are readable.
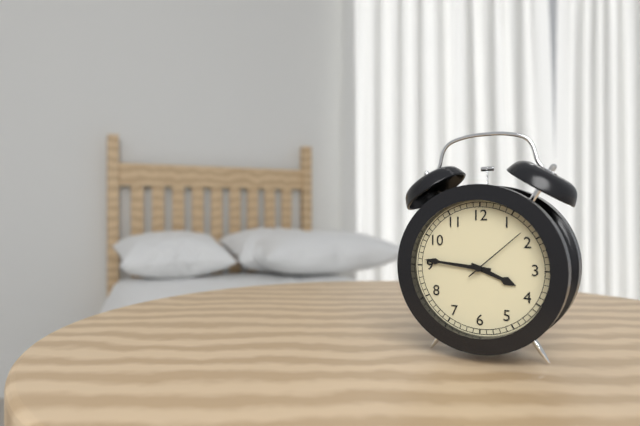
**3:46:08**
